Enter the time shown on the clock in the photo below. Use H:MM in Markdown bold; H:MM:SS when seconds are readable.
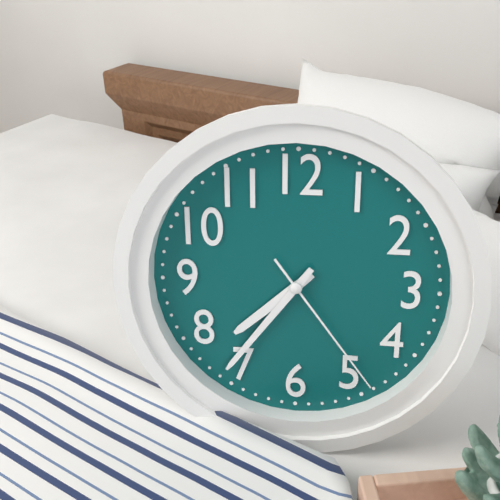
**7:36:24**
